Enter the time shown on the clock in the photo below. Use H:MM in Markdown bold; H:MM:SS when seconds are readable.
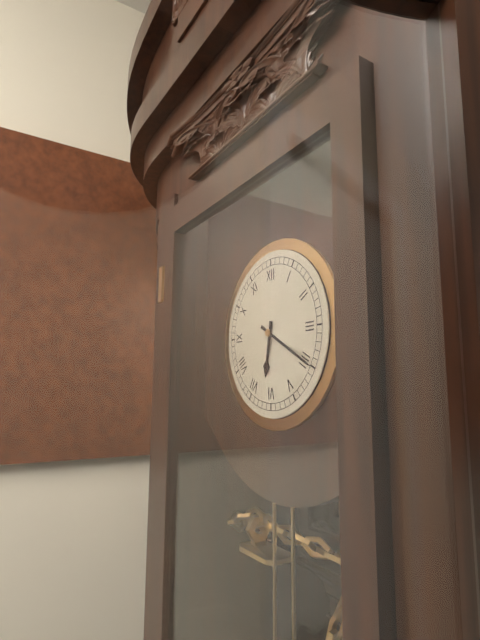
**6:20**
